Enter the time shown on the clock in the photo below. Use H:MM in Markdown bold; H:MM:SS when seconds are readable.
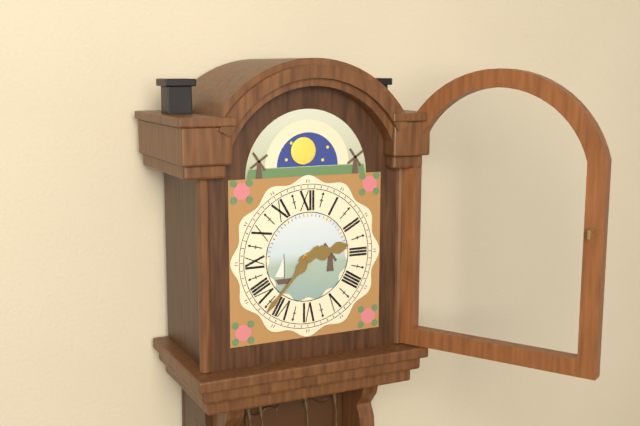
**2:37**
